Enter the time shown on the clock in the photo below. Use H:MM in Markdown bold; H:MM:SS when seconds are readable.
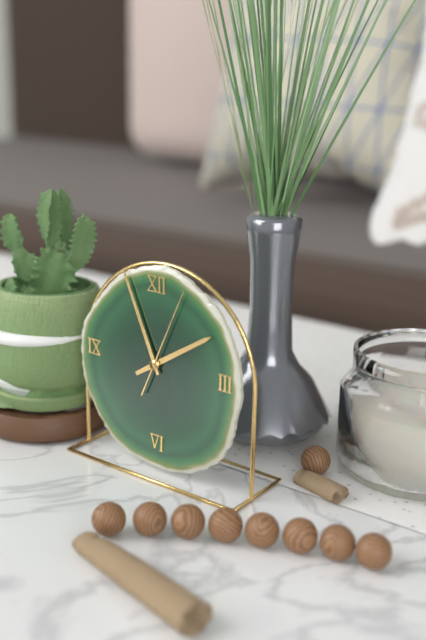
**1:56:04**
